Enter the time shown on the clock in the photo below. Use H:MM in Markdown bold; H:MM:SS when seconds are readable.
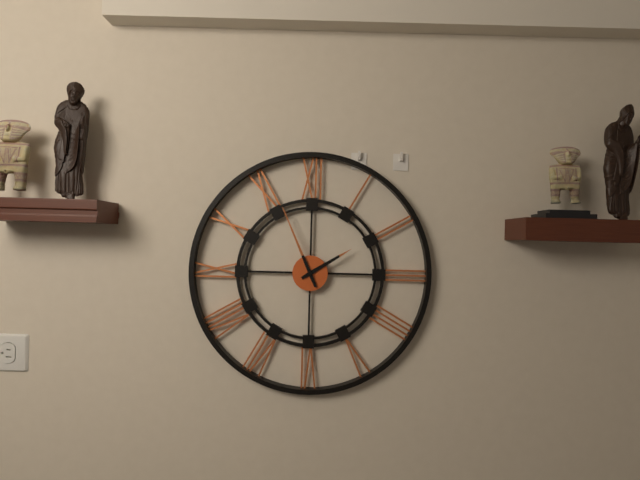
**1:56**
